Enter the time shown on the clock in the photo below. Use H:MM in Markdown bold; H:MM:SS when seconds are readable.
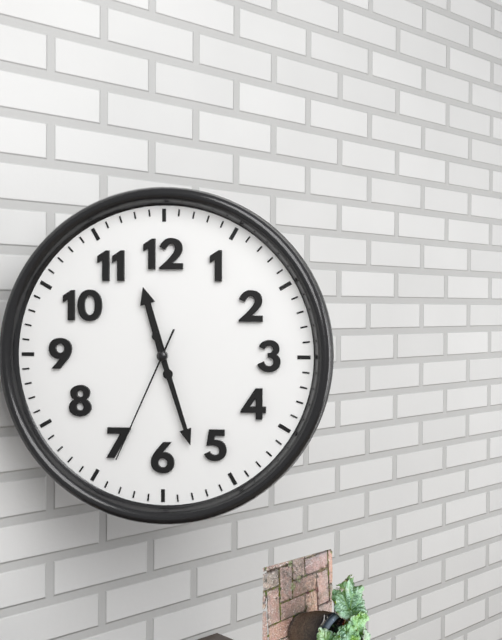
**11:27:34**
